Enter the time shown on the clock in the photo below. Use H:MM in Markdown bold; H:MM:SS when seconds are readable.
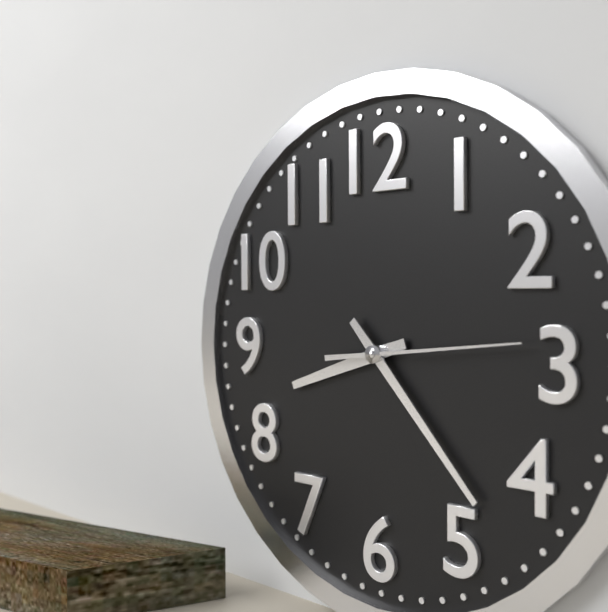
**8:23:14**
